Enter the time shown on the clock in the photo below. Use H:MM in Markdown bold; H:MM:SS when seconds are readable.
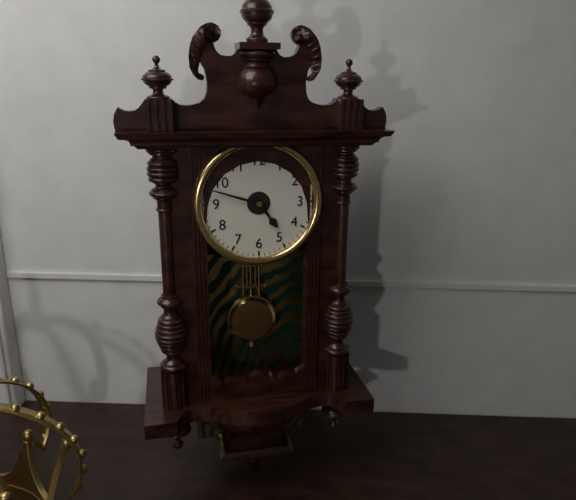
**4:48**
